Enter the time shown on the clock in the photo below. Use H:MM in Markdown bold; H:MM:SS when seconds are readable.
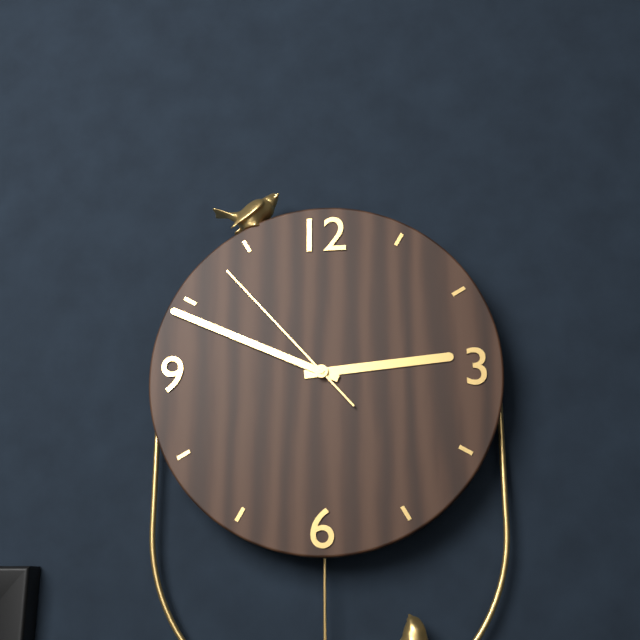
**2:49:53**
